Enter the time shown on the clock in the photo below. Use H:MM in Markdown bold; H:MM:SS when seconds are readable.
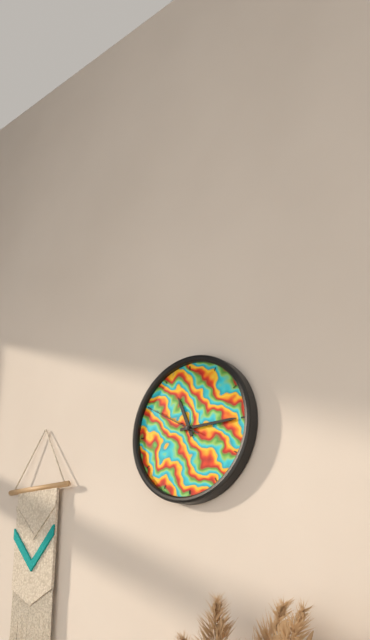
**11:15:50**
